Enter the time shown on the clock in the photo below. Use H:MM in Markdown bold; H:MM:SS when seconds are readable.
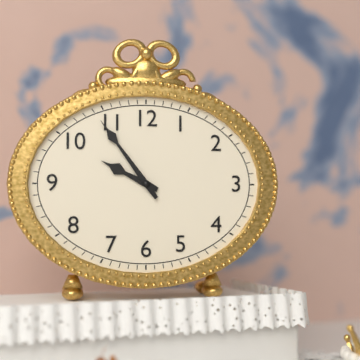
**9:54**
